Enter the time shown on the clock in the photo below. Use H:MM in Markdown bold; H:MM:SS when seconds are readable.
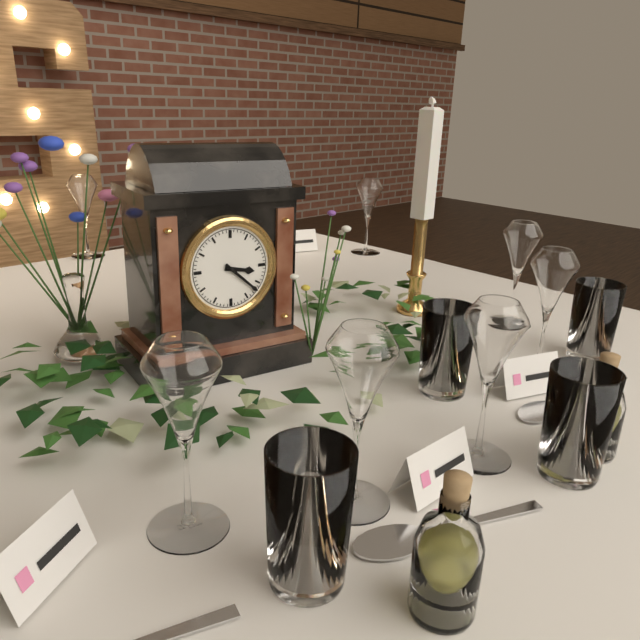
**3:22**
